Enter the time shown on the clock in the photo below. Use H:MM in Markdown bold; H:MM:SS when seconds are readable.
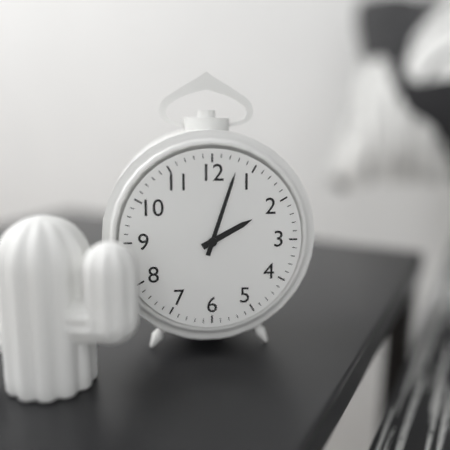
**2:03**
